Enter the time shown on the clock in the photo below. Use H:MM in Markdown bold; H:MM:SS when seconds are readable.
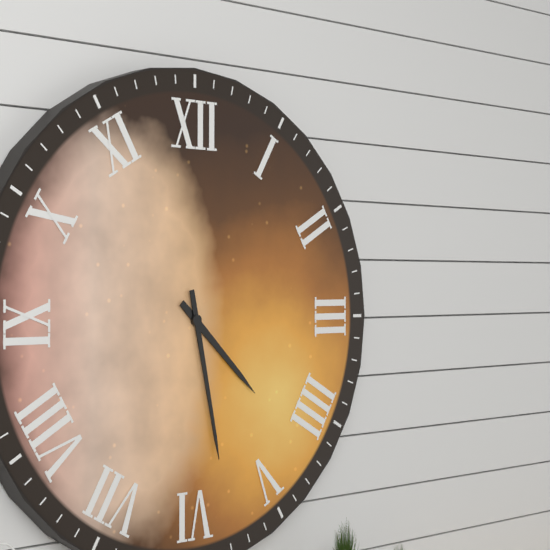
**4:28**
